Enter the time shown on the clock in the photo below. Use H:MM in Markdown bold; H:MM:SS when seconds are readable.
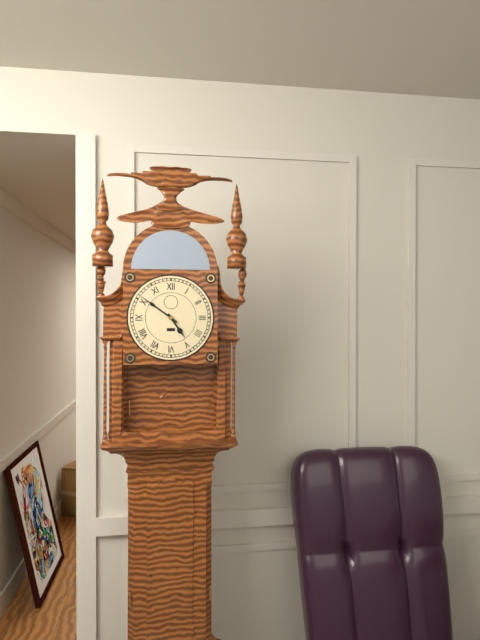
**4:51**
